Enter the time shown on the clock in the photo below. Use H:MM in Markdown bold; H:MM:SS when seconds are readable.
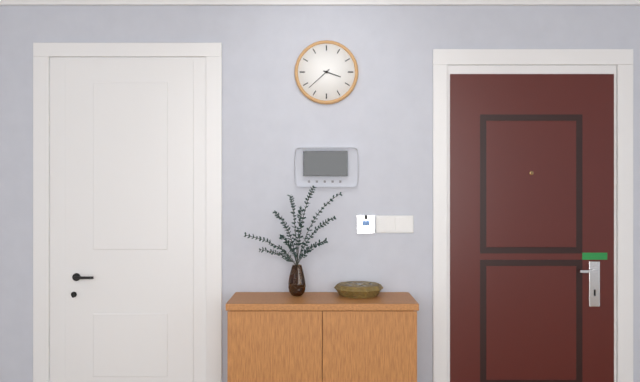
**3:38**
